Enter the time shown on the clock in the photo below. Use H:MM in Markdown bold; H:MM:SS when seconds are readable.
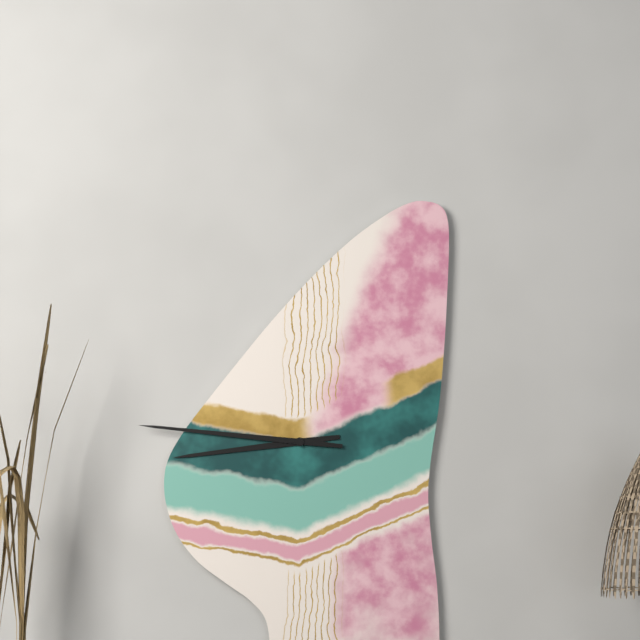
**8:46**
